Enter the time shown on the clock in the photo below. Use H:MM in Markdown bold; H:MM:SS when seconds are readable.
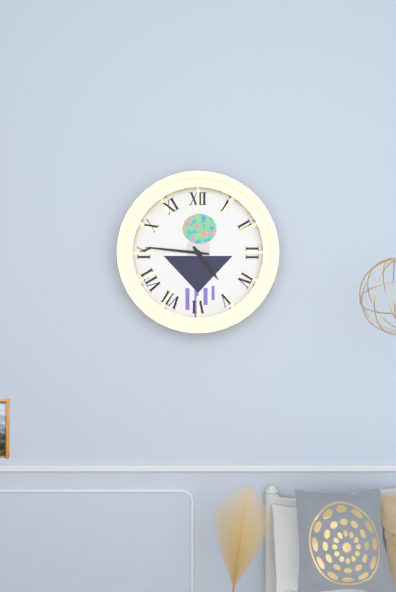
**4:46**
